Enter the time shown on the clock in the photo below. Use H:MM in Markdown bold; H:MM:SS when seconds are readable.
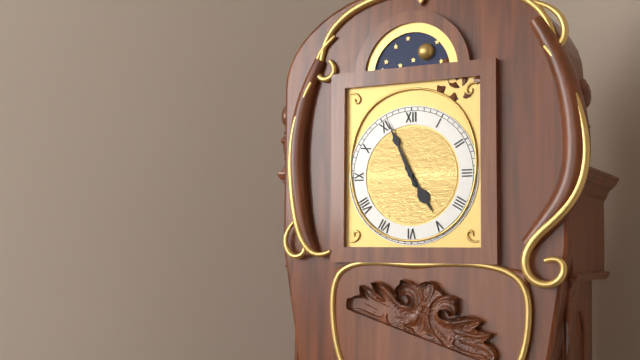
**4:56**
